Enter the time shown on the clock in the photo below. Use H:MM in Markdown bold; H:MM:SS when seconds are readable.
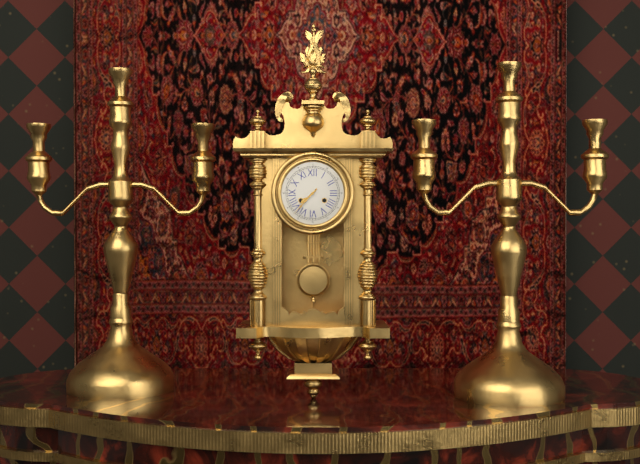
**7:37**
